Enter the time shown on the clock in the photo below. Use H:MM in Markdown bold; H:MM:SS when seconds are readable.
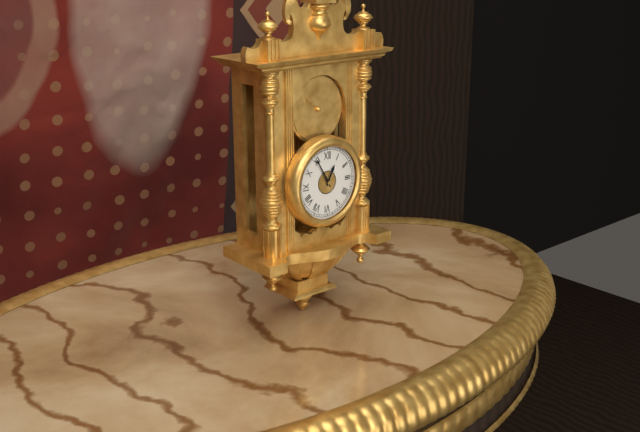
**12:55**
